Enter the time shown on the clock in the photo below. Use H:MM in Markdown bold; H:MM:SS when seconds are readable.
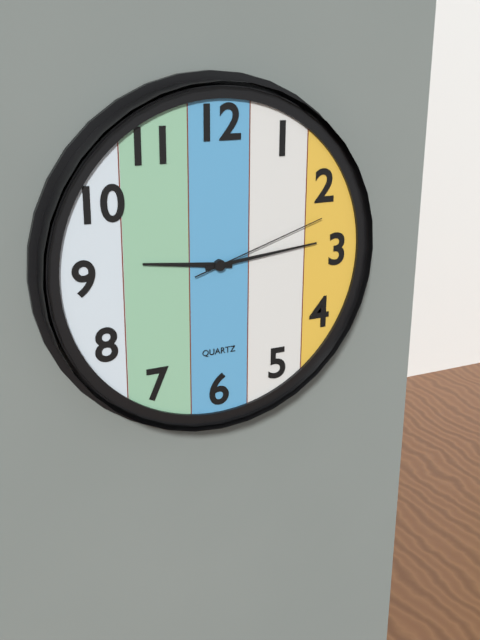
**9:14:12**
